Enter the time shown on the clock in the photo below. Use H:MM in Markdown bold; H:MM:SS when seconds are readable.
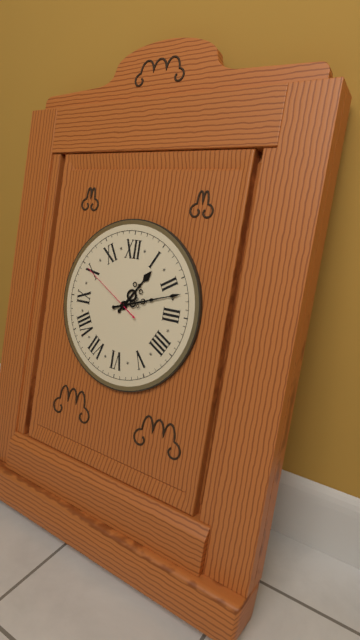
**1:12:50**
